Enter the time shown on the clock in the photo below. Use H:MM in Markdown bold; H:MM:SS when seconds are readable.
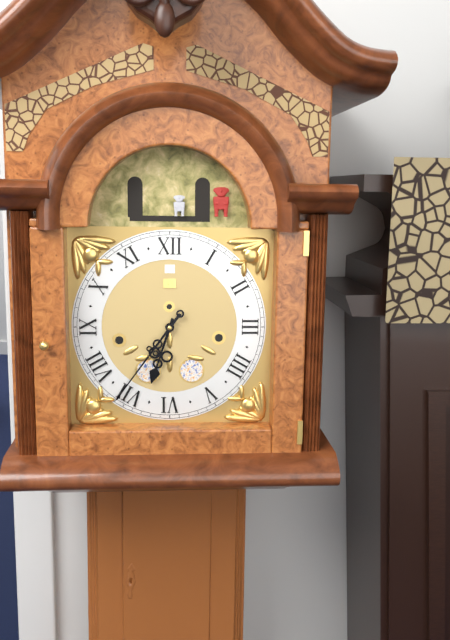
**6:36**
